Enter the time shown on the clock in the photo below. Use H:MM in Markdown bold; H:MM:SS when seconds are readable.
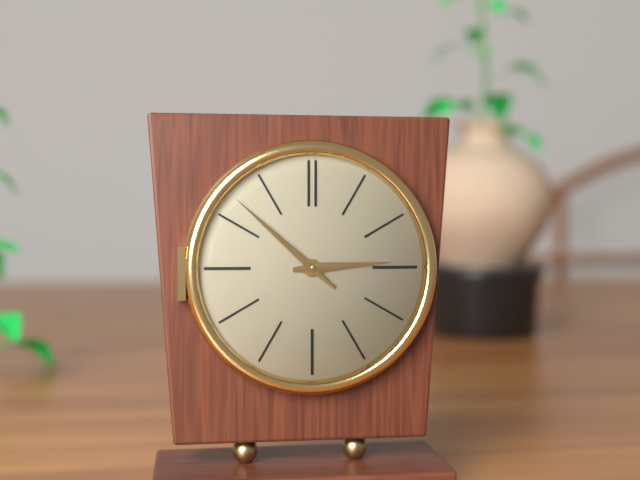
**2:52**
